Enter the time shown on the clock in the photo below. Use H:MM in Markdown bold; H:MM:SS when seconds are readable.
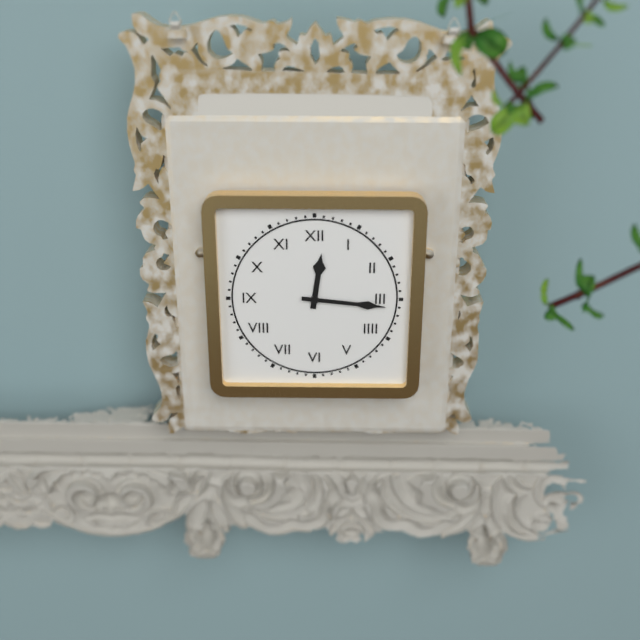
**12:16**
